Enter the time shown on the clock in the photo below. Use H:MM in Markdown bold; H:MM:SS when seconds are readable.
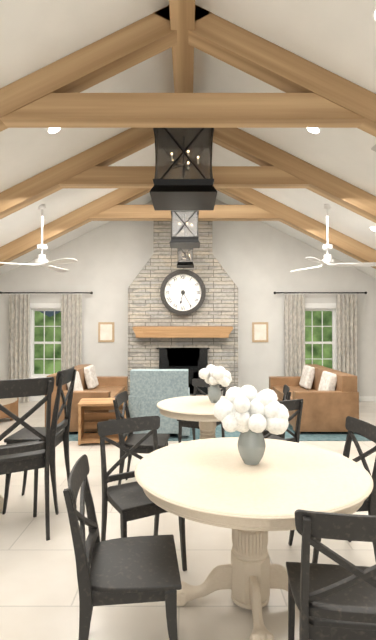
**6:25**
